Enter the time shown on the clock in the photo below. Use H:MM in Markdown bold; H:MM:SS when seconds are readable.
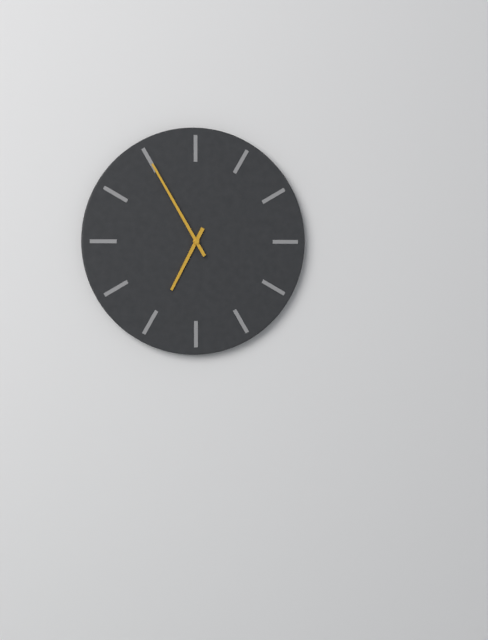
**6:55**
